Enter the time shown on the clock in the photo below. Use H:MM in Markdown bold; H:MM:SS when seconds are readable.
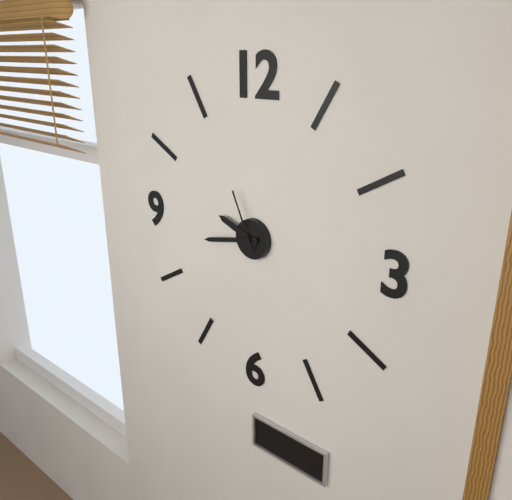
**9:43:56**
